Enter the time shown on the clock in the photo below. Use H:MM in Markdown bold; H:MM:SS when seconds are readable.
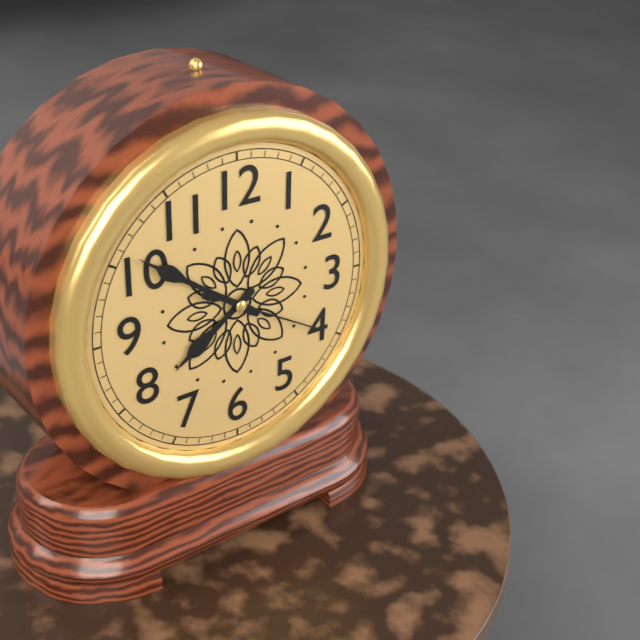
**7:51:20**
